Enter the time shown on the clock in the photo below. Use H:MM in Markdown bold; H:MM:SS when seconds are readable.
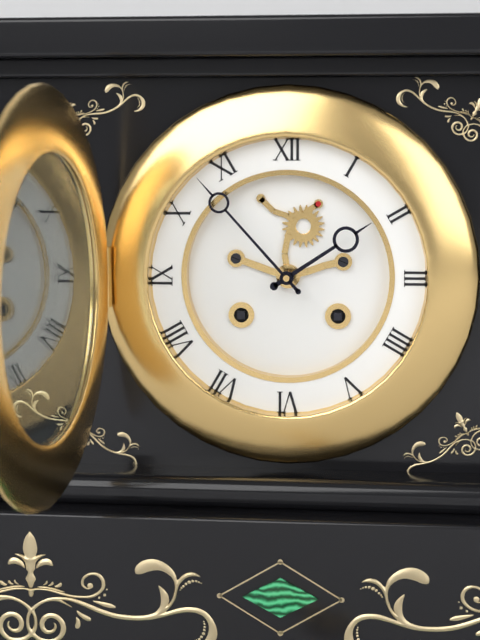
**1:53**
